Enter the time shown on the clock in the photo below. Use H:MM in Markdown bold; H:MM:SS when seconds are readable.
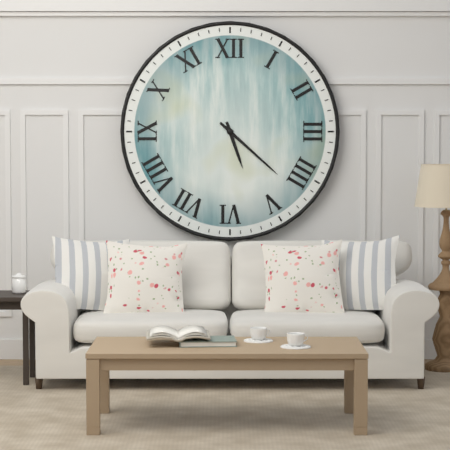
**5:22**
